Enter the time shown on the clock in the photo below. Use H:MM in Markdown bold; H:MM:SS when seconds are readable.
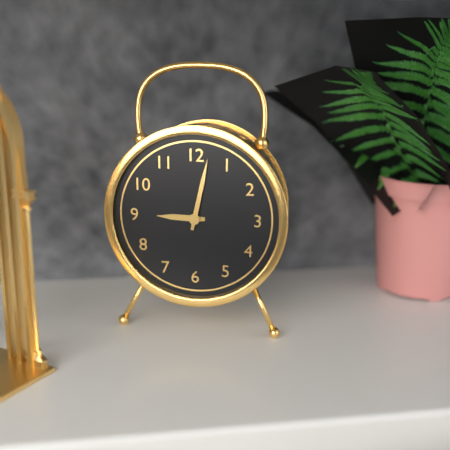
**9:02**
